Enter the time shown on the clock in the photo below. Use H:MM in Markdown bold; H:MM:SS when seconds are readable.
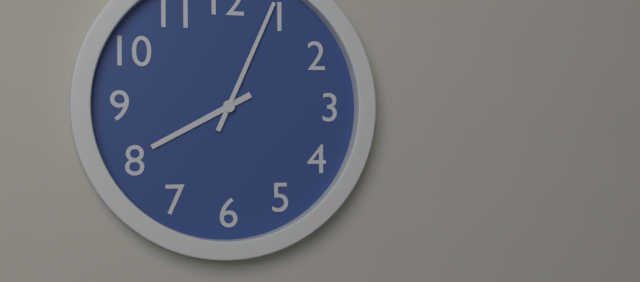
**8:04**
